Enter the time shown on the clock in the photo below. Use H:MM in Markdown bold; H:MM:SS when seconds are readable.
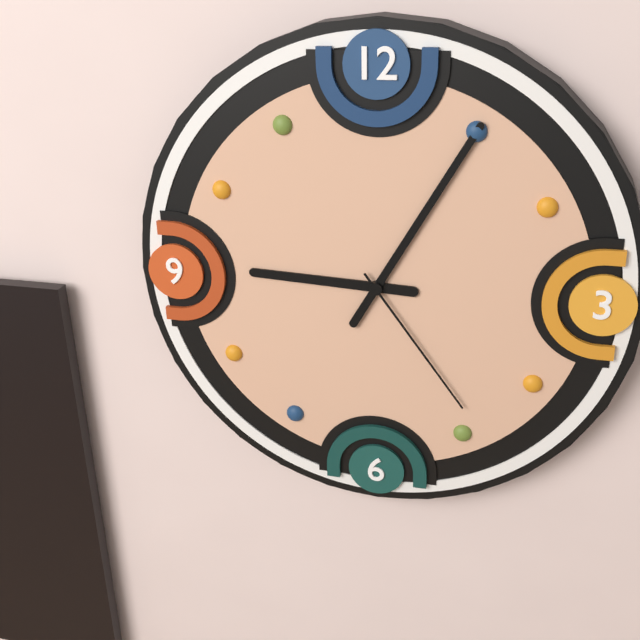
**9:05:24**
